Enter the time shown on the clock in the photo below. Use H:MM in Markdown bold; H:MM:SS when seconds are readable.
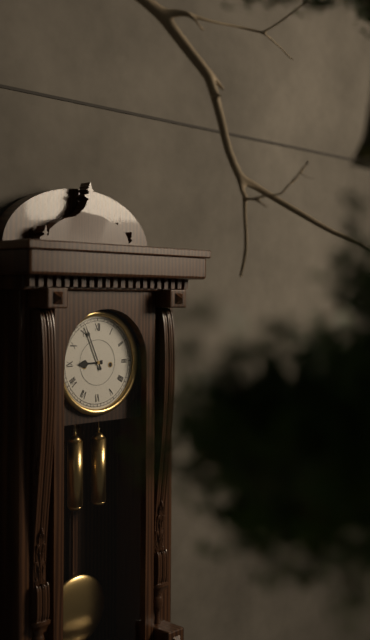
**8:56**
